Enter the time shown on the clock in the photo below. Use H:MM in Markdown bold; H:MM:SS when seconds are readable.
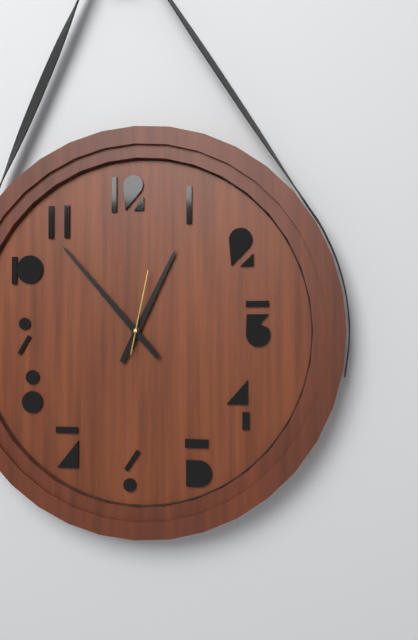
**12:53:02**
